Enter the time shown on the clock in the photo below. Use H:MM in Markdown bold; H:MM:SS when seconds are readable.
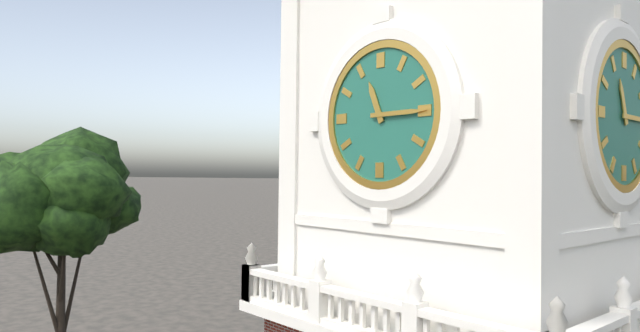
**11:15**
